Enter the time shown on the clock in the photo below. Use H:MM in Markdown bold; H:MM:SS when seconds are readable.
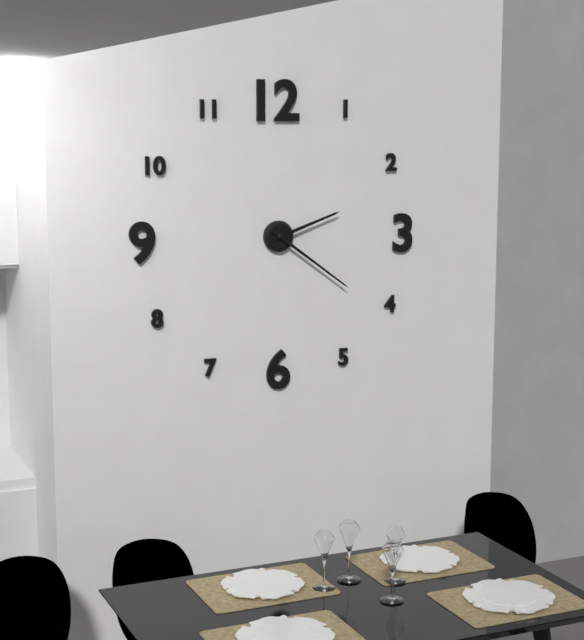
**2:21**
